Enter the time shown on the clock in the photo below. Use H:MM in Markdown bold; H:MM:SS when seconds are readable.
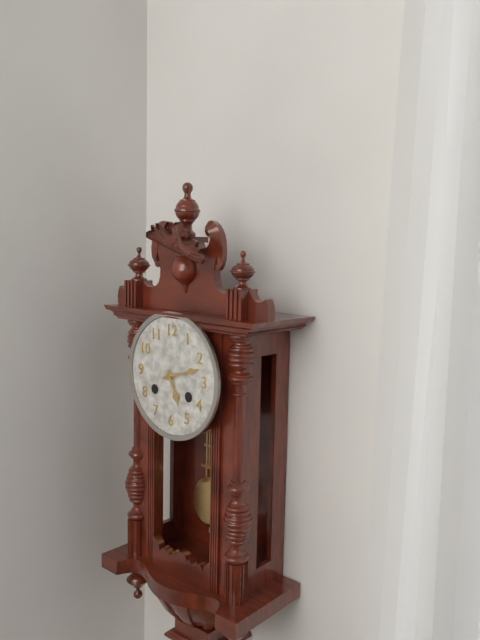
**5:12**
